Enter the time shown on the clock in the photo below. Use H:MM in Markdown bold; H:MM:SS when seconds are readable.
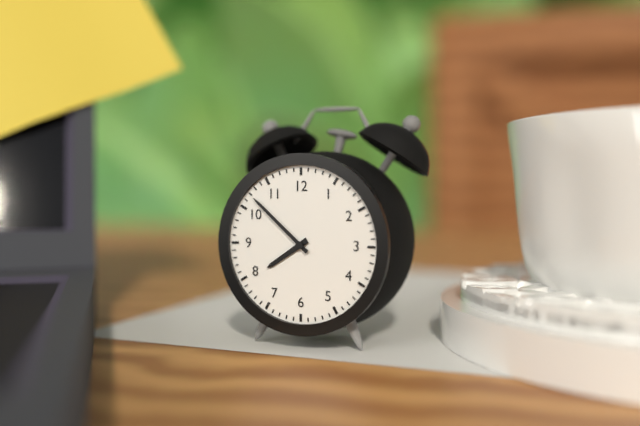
**7:52**
